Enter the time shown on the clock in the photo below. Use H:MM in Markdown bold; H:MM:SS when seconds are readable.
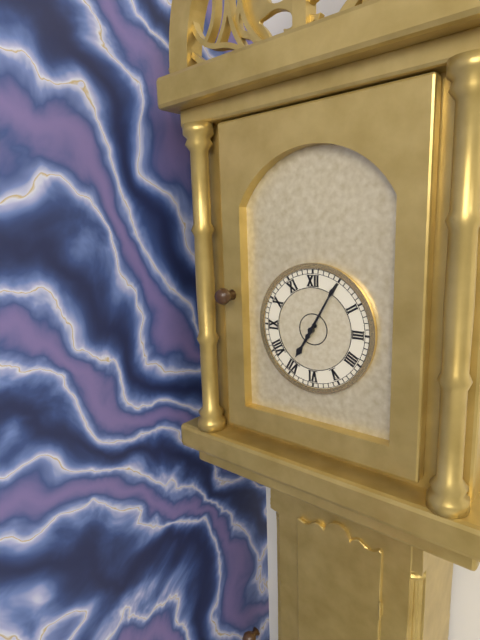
**7:05**
